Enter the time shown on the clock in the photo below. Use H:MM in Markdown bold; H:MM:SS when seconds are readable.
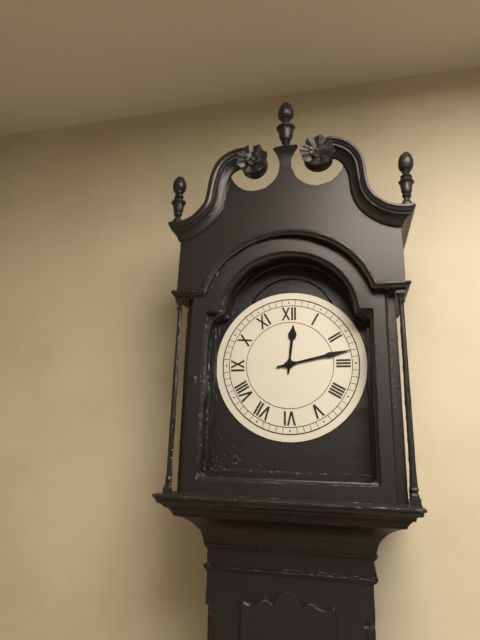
**12:13**
